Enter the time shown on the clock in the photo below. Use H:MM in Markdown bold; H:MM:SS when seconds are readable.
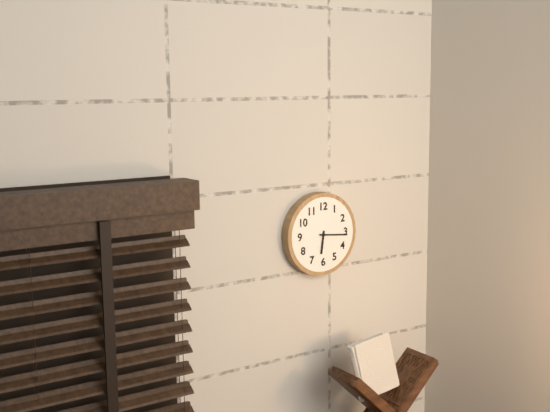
**6:16**
